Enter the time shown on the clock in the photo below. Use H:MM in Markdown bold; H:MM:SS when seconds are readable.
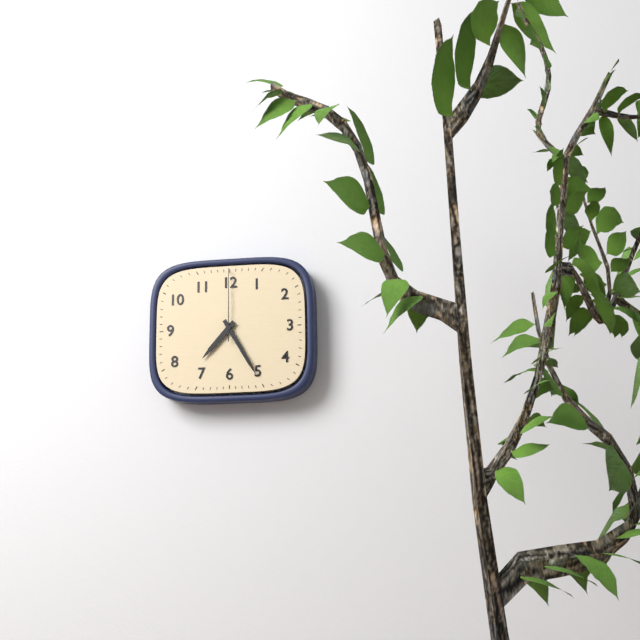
**7:25:00**
